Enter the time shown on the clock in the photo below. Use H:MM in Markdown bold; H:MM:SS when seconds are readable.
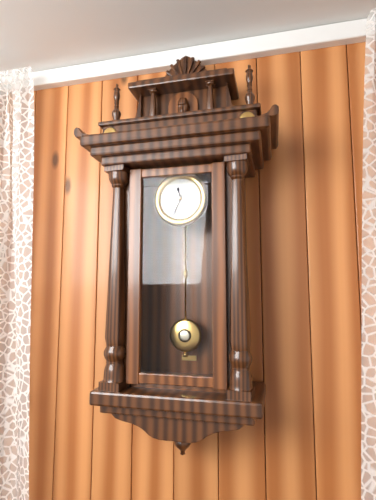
**11:34**
